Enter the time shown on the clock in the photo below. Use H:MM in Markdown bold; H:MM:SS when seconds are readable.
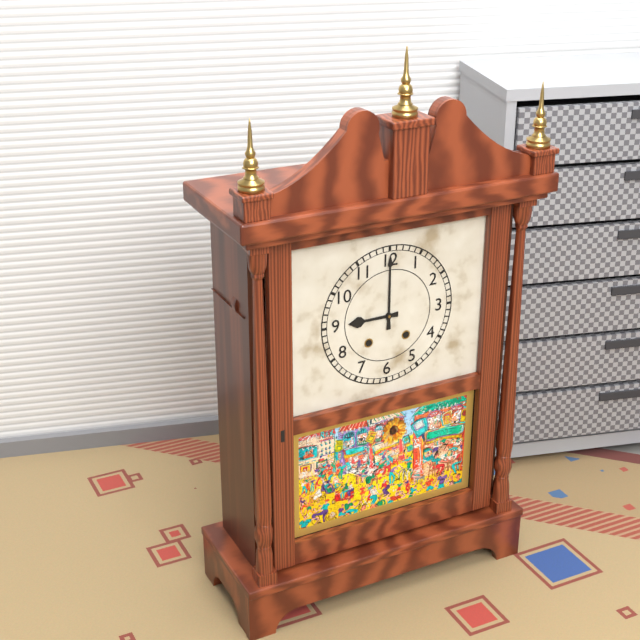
**9:00**
